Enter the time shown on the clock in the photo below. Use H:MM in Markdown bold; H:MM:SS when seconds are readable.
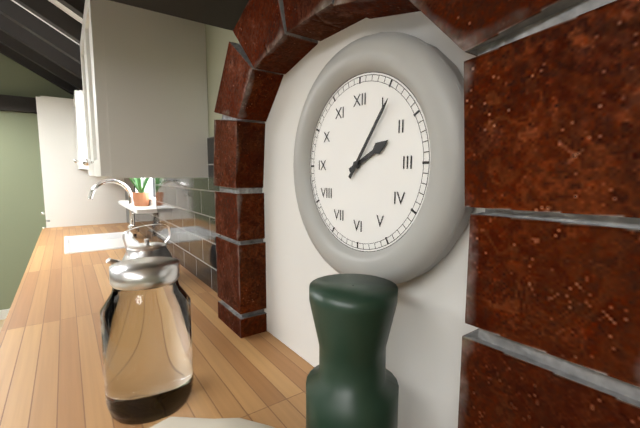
**2:06**
